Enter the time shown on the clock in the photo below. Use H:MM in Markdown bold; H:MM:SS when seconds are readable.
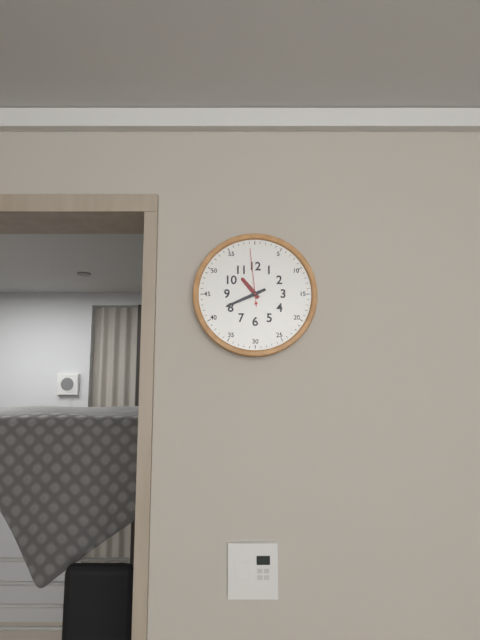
**10:41:59**
